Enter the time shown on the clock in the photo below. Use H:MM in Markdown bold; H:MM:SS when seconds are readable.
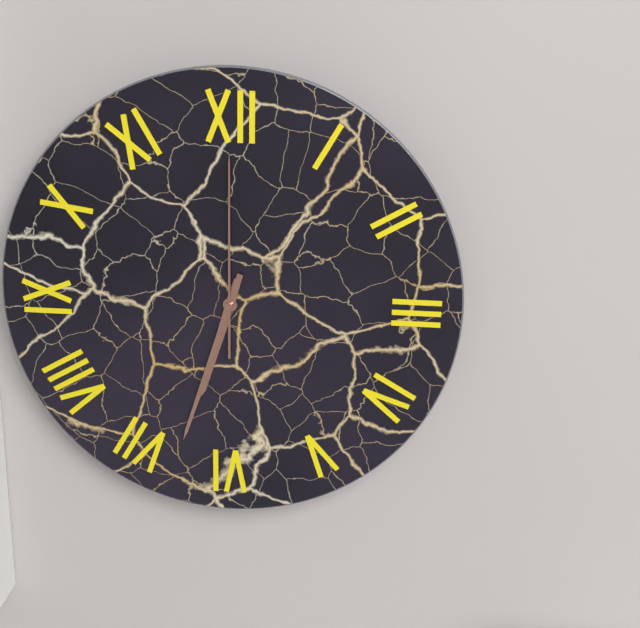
**6:33:00**
